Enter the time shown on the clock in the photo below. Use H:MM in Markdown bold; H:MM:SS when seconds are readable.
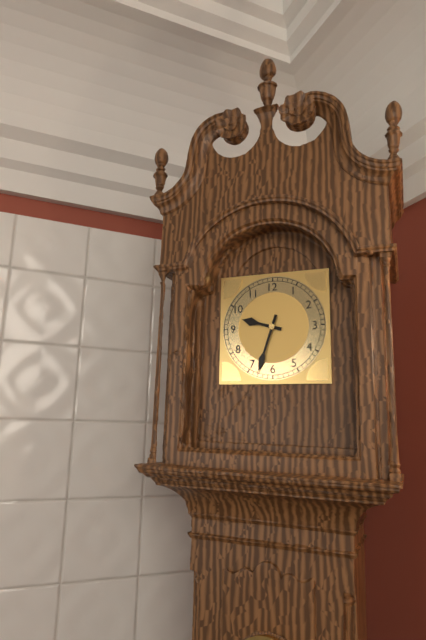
**9:33**
